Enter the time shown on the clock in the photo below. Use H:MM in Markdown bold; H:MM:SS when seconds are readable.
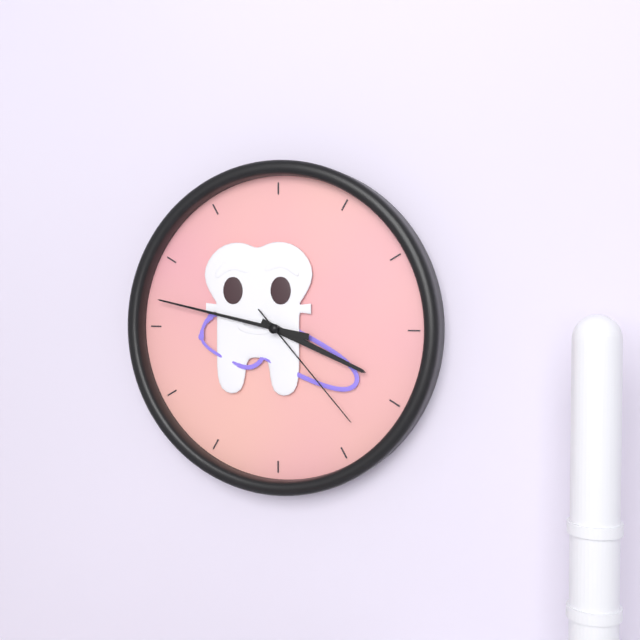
**3:47:23**
